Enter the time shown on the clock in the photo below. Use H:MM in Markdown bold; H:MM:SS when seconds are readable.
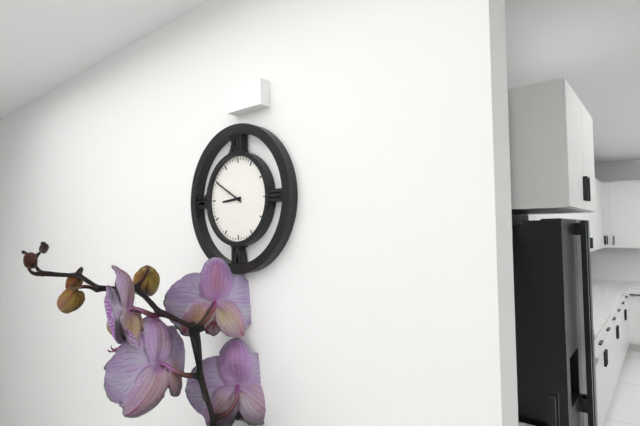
**8:50**
